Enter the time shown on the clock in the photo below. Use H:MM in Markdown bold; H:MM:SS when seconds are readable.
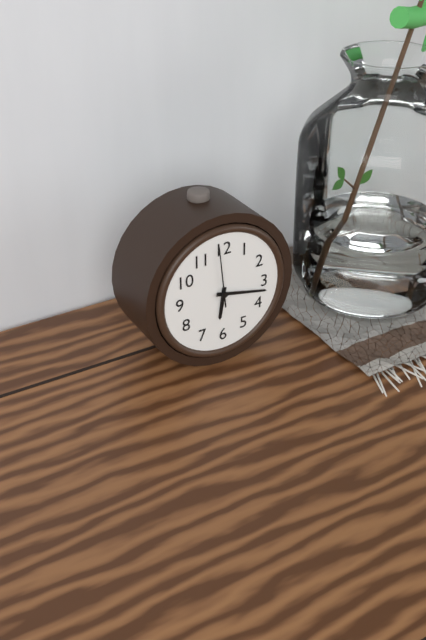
**6:17:59**
